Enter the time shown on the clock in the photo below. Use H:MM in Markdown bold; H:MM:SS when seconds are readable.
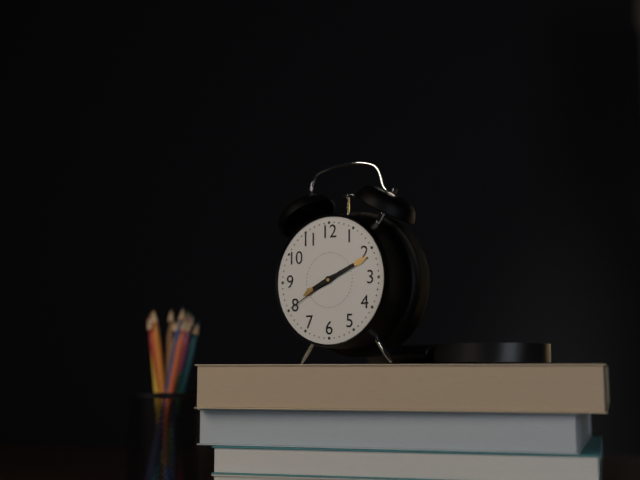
**8:11:40**
